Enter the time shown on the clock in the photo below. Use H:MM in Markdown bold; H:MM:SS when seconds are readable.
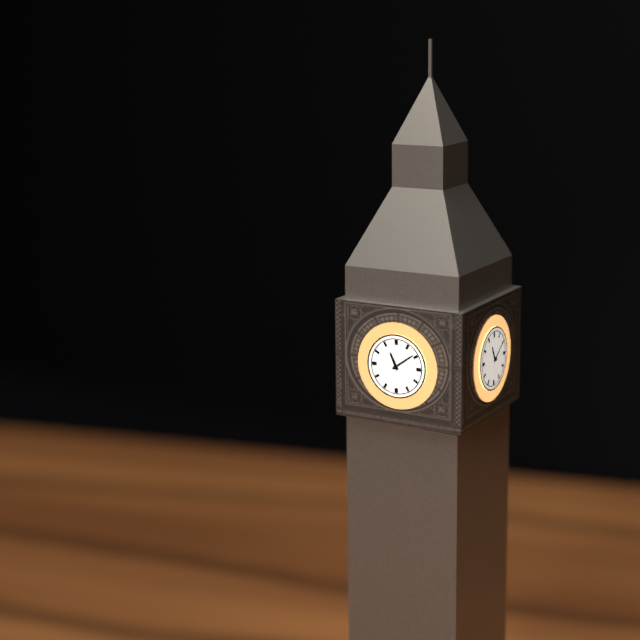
**11:09**
